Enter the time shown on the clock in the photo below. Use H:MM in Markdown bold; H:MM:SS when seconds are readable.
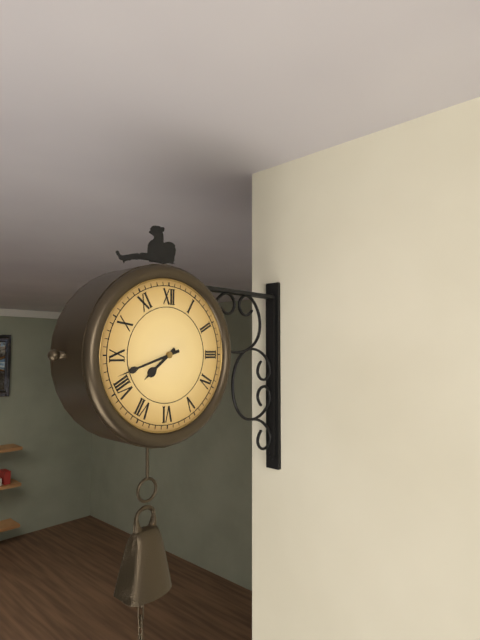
**7:42**
